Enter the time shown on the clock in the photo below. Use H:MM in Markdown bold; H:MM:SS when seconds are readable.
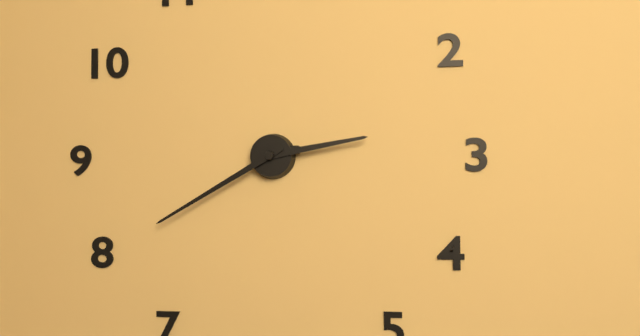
**2:40**
